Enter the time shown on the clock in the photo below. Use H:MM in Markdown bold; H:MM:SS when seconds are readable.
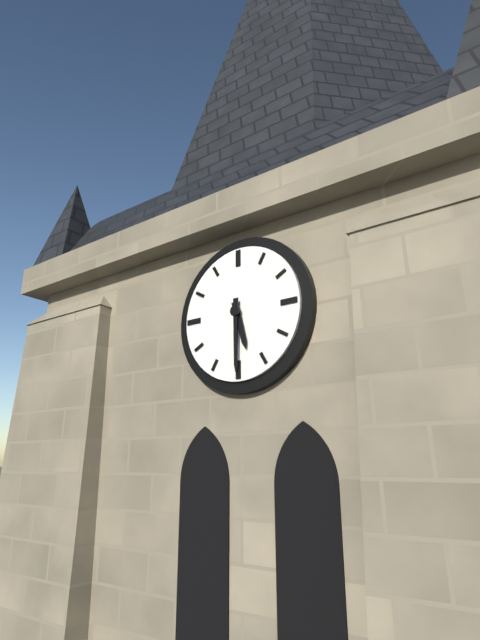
**5:30**
